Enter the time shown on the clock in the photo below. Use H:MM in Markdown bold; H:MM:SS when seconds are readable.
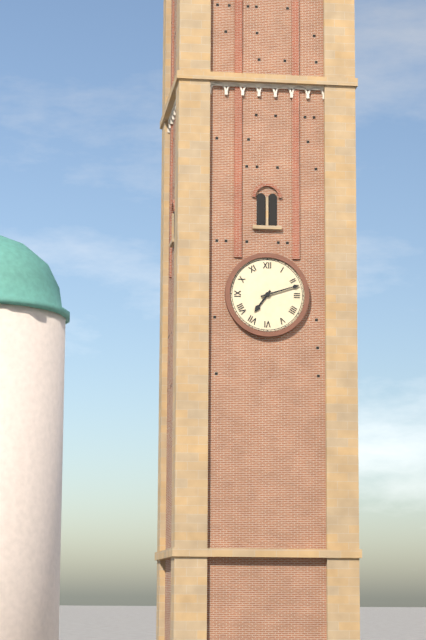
**7:12**
